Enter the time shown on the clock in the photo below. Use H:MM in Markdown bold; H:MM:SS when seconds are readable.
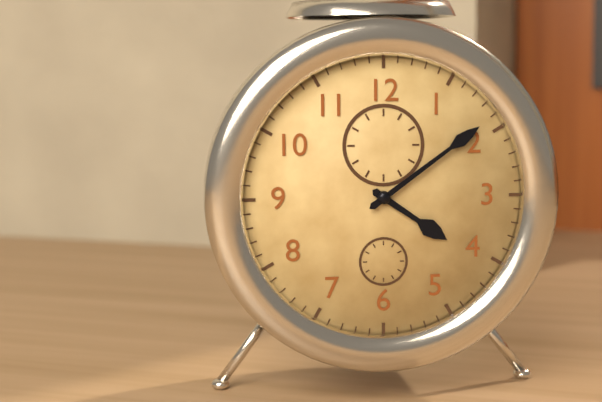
**4:09**
